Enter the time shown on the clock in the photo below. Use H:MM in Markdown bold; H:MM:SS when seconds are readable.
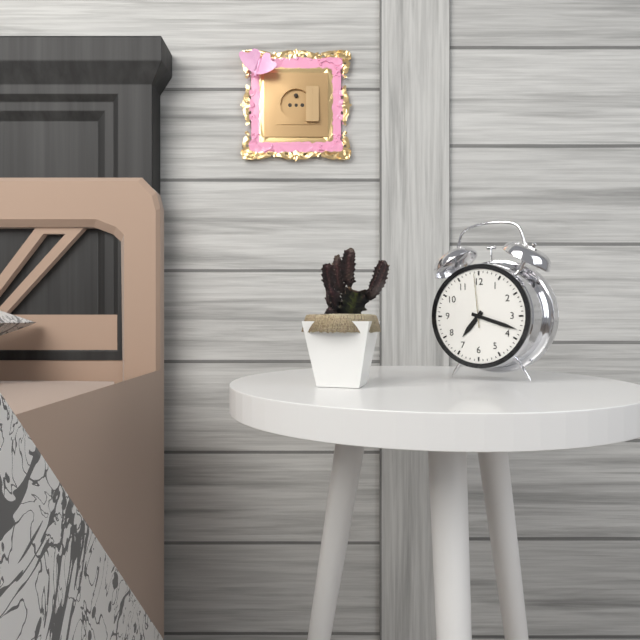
**7:18:59**
